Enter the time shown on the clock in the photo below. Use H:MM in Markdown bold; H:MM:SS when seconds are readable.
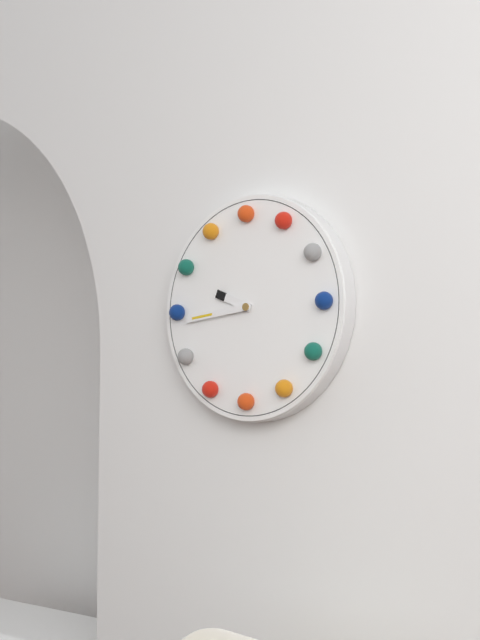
**9:44**
